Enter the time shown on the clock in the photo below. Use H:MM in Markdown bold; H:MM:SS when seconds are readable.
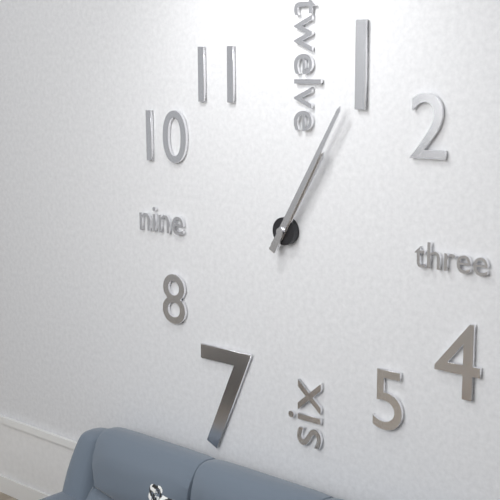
**1:05**
